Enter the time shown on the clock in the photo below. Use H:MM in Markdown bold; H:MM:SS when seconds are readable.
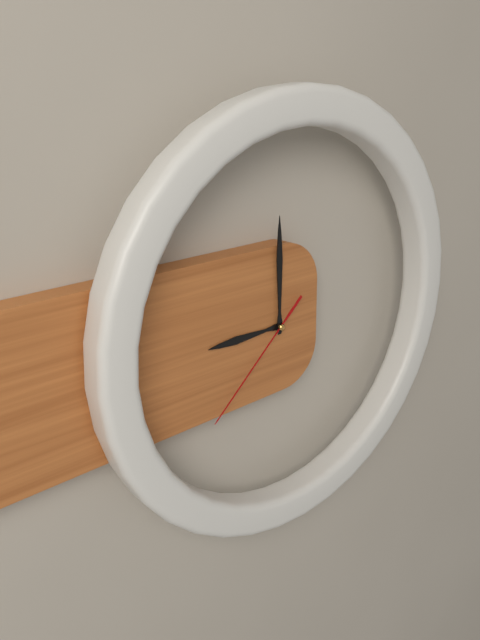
**9:00:38**
